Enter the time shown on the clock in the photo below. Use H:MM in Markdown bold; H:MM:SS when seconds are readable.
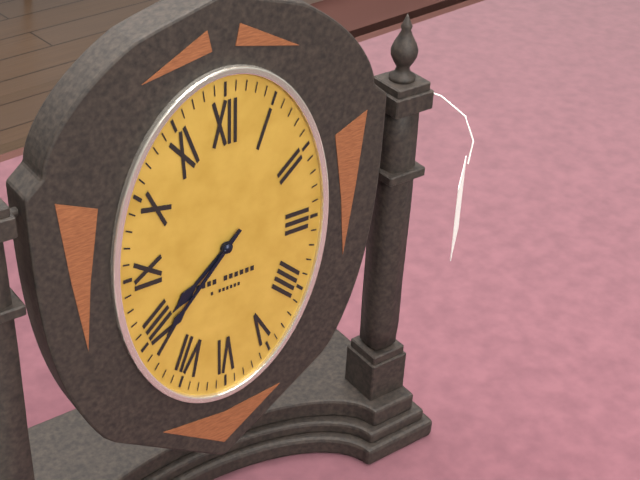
**7:37**
